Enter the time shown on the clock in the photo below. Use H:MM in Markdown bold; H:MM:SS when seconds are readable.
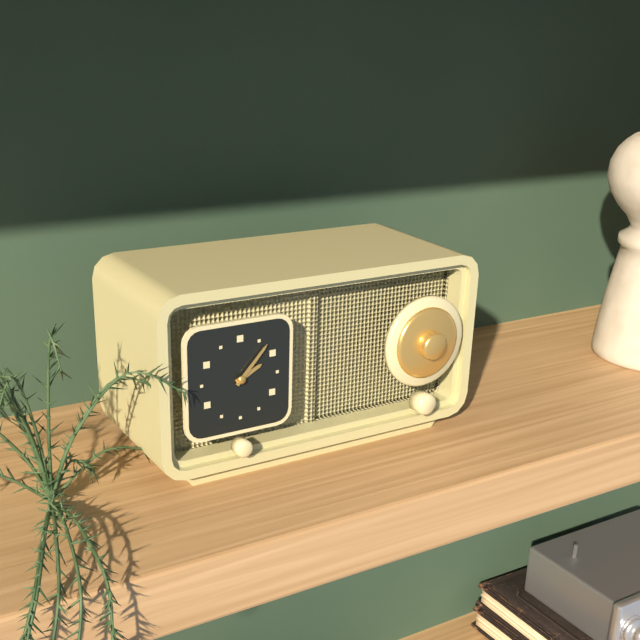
**2:07**
